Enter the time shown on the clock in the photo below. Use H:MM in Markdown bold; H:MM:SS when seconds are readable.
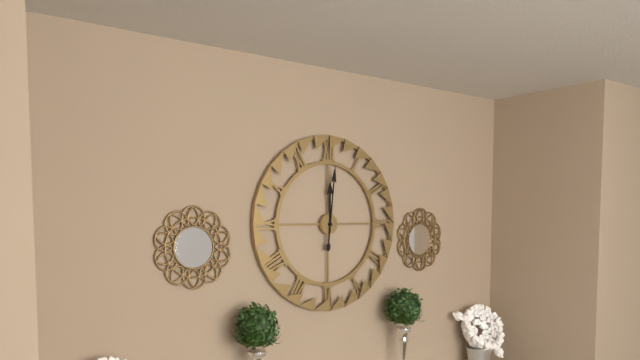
**12:01**
